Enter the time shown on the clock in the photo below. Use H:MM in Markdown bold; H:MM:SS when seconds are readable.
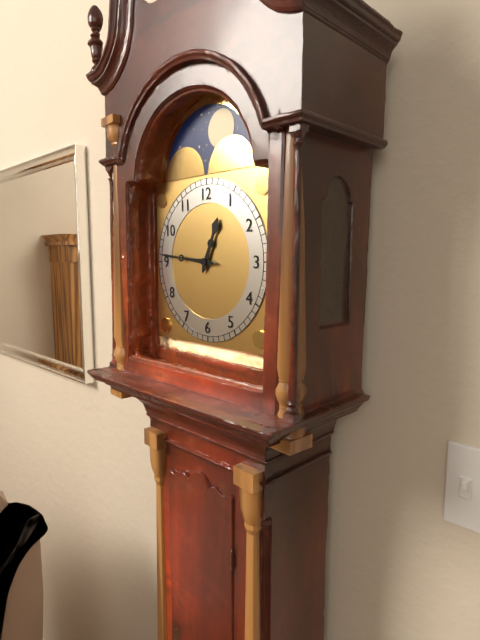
**12:46**
